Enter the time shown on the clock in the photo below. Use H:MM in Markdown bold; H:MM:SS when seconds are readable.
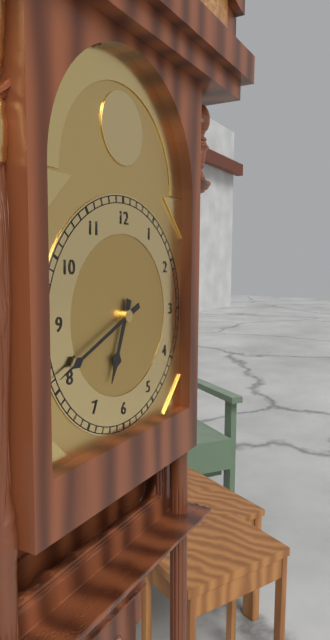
**6:41**
